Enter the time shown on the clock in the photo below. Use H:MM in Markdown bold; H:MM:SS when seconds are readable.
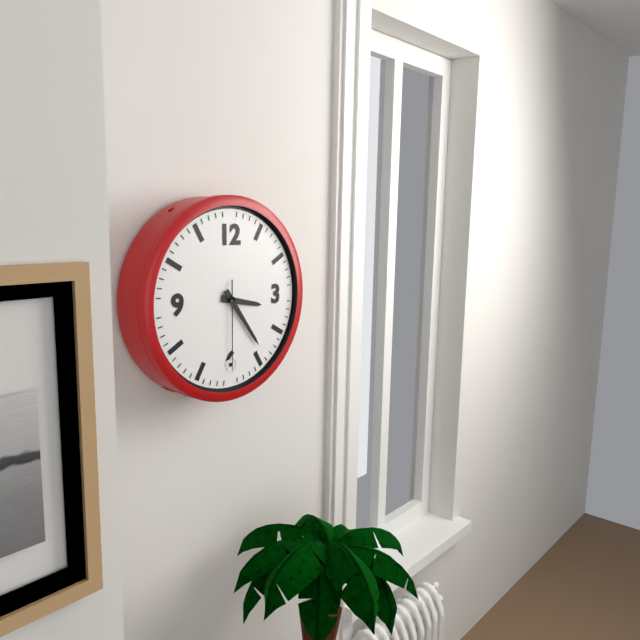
**3:24:30**
